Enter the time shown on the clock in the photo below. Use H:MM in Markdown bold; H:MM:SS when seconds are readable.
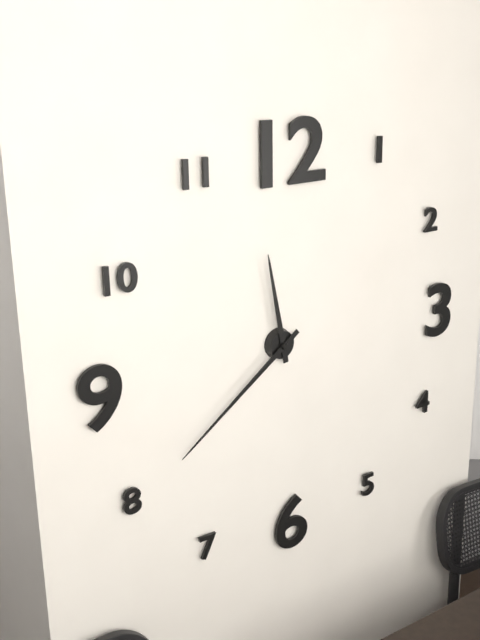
**11:39**
